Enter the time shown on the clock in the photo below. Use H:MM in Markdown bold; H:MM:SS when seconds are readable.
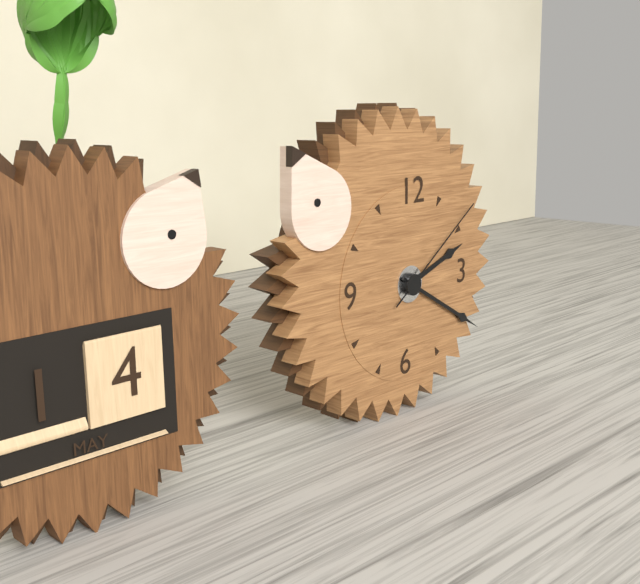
**2:20:09**
